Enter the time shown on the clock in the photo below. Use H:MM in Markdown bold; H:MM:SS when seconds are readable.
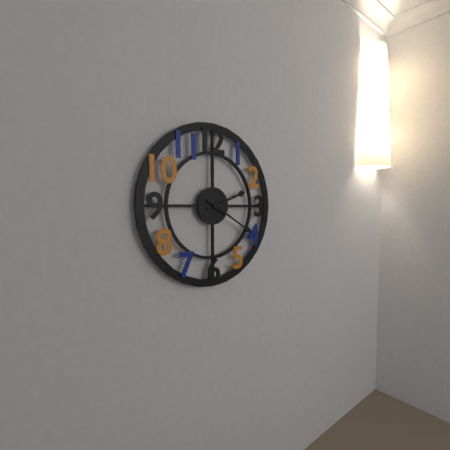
**2:20**
